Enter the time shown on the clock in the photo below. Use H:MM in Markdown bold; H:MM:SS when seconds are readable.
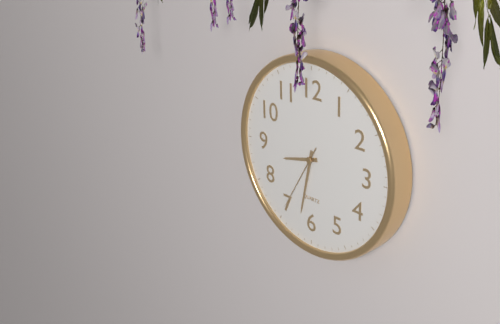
**8:32:35**
